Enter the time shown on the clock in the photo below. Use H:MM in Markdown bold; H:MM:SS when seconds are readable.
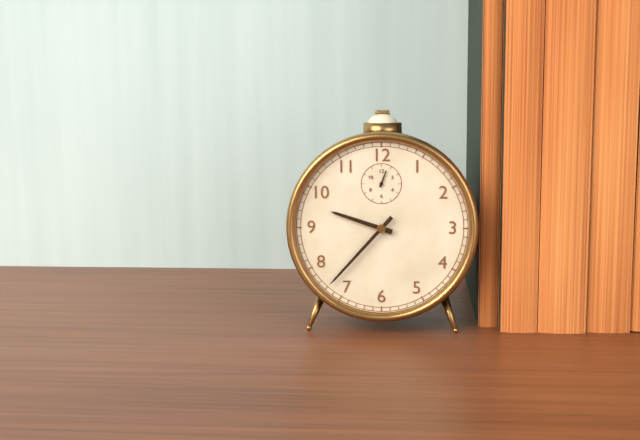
**9:37**
